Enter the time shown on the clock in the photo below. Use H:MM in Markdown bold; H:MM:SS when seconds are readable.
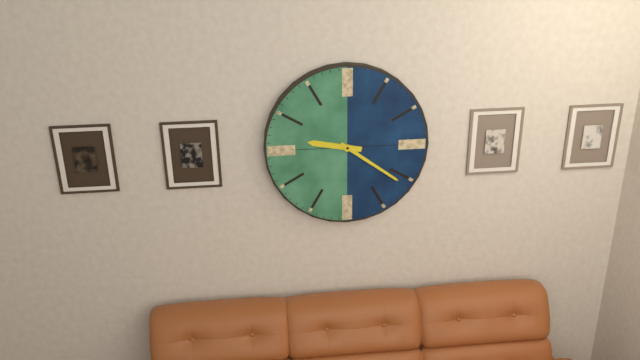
**9:21**
